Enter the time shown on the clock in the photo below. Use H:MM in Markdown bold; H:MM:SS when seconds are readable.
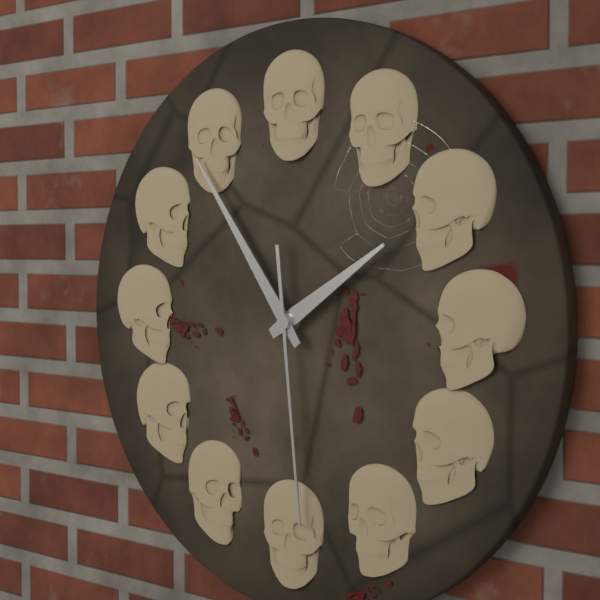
**1:54:29**
